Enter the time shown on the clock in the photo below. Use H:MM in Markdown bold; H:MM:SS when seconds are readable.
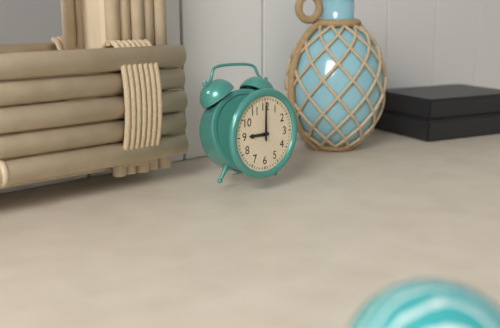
**9:00**
